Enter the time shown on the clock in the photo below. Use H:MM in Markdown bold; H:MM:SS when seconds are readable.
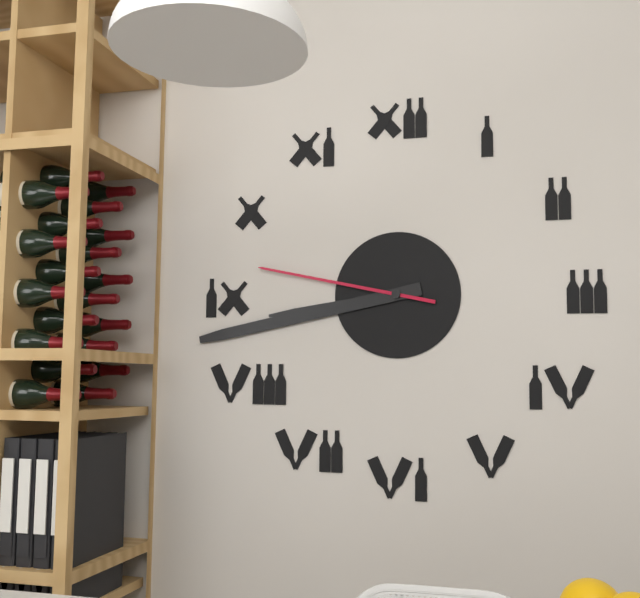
**8:43:47**
